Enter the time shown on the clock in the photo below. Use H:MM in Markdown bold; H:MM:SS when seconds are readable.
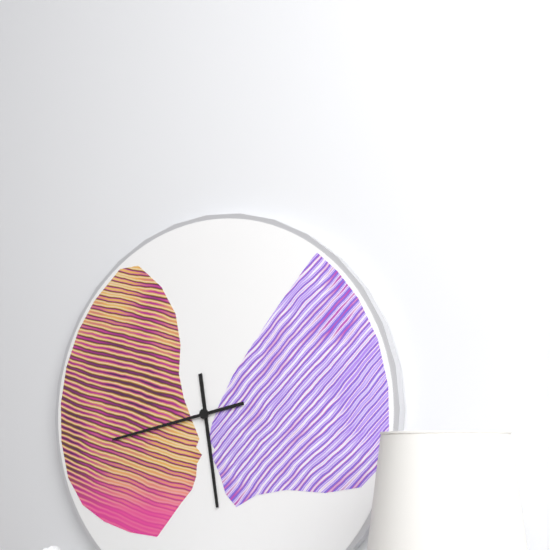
**5:43**
